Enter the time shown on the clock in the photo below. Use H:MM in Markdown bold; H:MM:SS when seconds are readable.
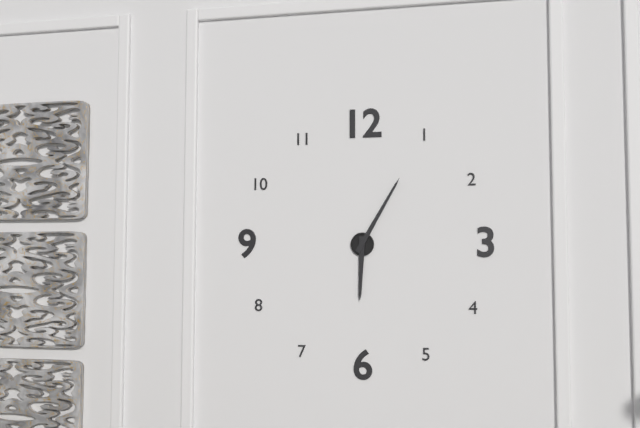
**6:05**
